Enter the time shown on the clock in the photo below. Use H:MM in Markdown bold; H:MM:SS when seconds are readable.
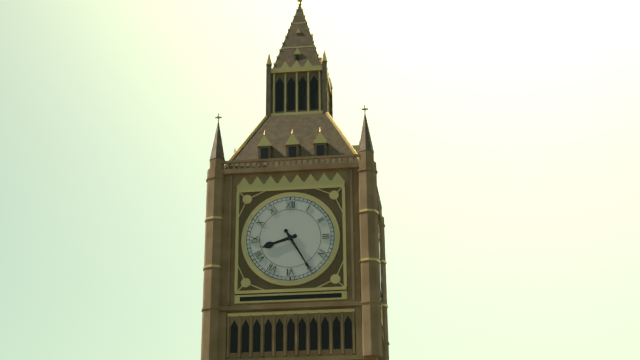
**8:25**
